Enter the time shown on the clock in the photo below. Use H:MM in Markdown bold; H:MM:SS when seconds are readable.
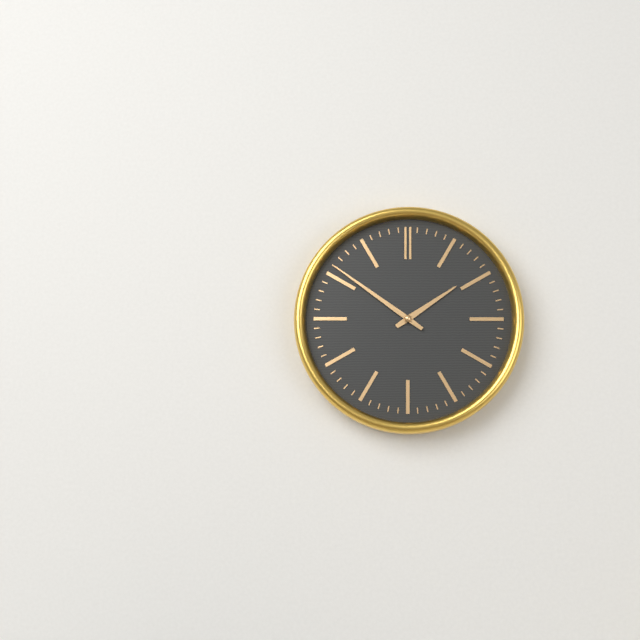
**1:51**
